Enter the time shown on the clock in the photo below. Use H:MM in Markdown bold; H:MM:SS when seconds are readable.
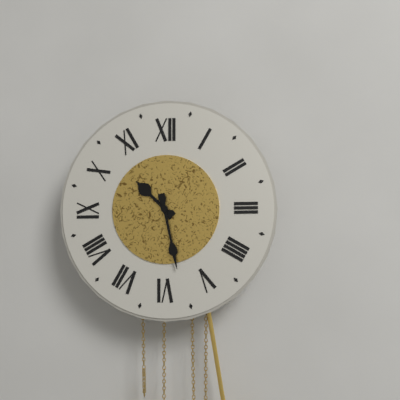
**10:28**
